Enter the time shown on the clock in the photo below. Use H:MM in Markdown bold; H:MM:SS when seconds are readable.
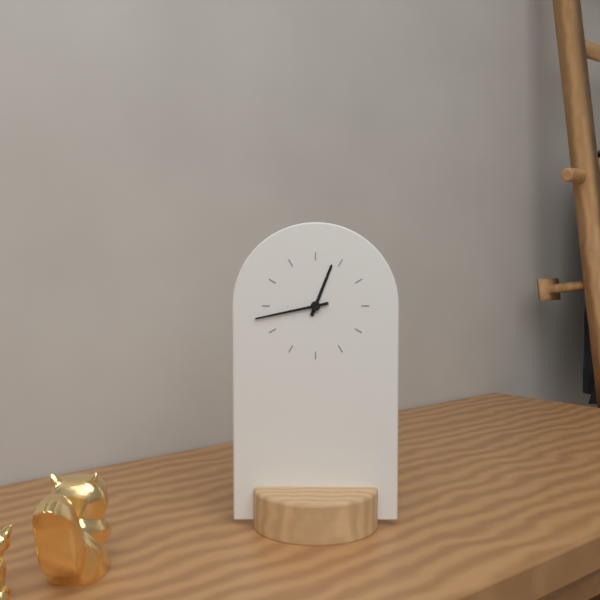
**12:43**
